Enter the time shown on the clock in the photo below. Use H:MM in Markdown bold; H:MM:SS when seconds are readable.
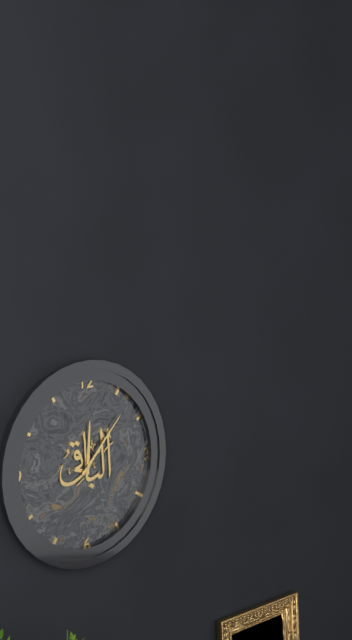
**12:07**
